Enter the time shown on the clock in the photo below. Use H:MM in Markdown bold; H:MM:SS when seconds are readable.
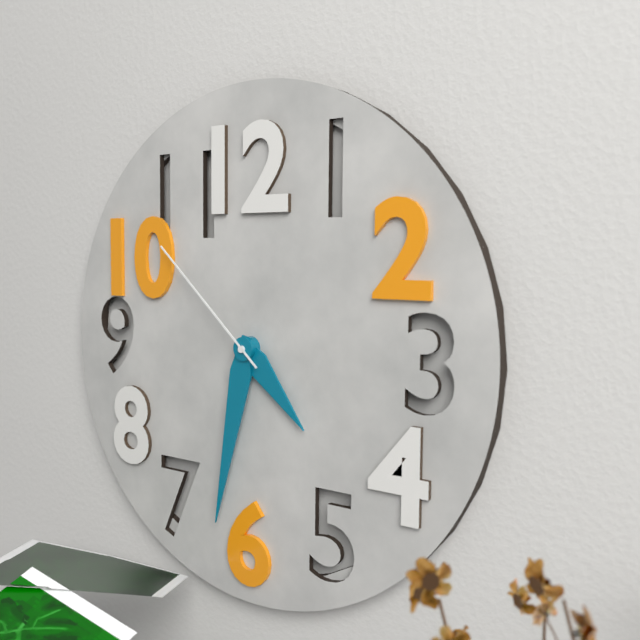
**4:32:52**
